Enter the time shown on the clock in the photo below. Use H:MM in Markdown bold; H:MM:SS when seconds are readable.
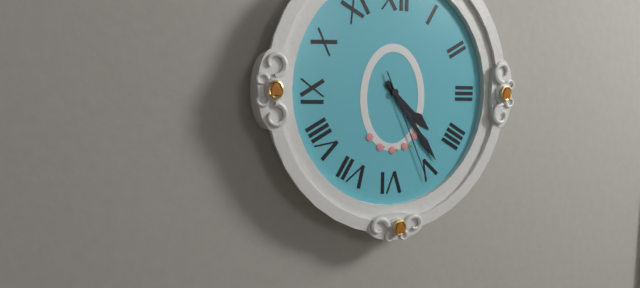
**4:24:26**
